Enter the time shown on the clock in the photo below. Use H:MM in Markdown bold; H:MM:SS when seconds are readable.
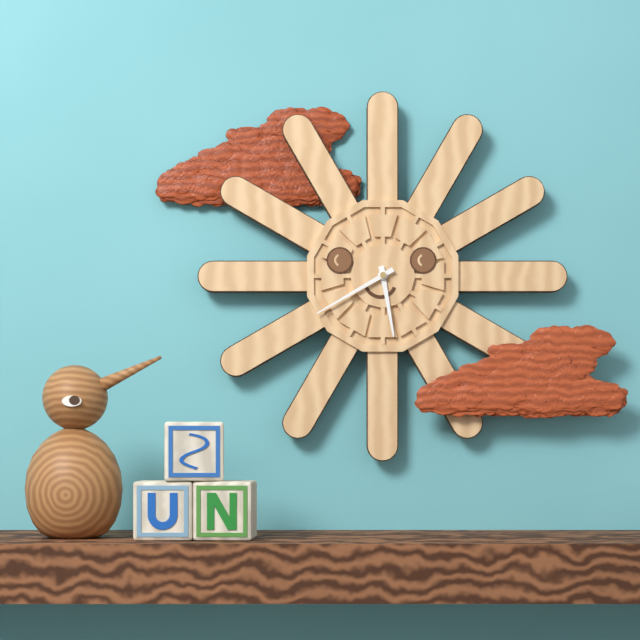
**5:40**
